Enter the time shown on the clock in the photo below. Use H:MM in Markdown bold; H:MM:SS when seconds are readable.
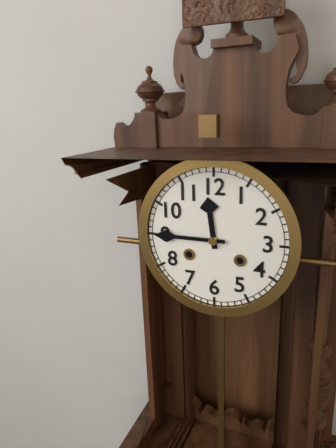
**11:45**
